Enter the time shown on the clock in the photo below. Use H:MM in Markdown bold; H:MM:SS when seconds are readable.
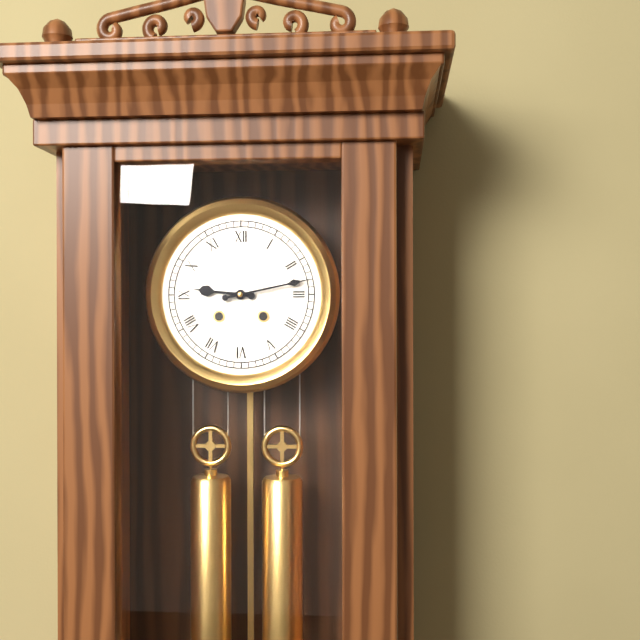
**9:13**
